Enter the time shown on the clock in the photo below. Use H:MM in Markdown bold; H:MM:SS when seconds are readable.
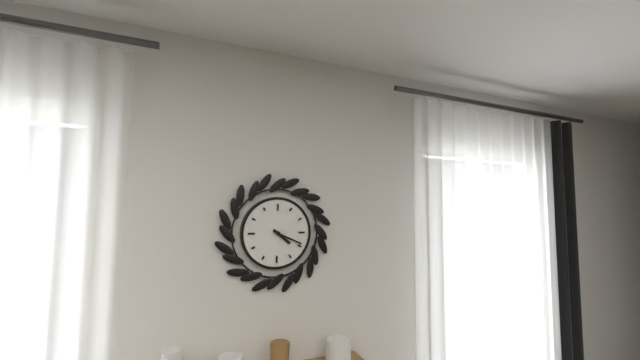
**4:19**
